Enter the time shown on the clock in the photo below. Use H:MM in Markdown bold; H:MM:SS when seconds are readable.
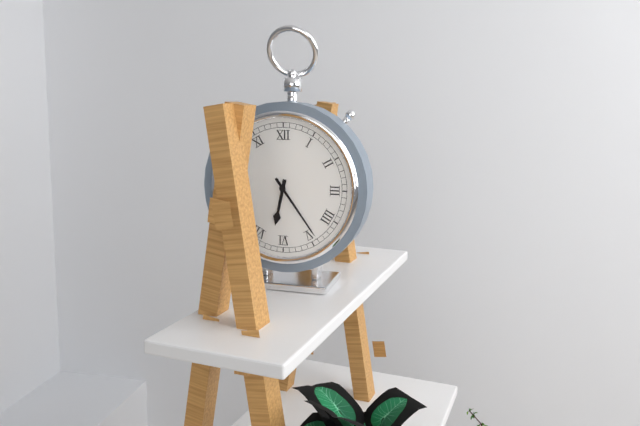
**6:24**
